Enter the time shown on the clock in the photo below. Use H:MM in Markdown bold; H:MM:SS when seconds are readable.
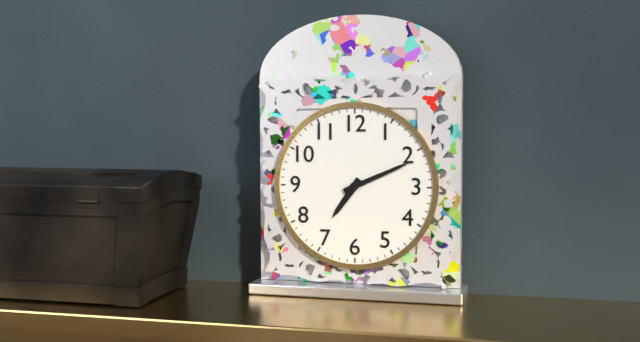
**7:11**
